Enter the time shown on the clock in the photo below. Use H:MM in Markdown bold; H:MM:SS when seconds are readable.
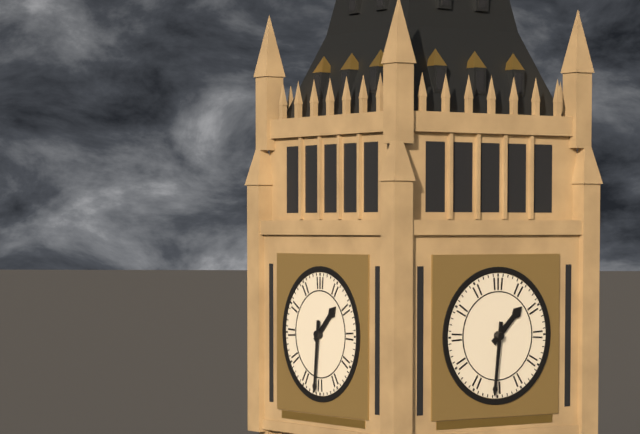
**1:31**
